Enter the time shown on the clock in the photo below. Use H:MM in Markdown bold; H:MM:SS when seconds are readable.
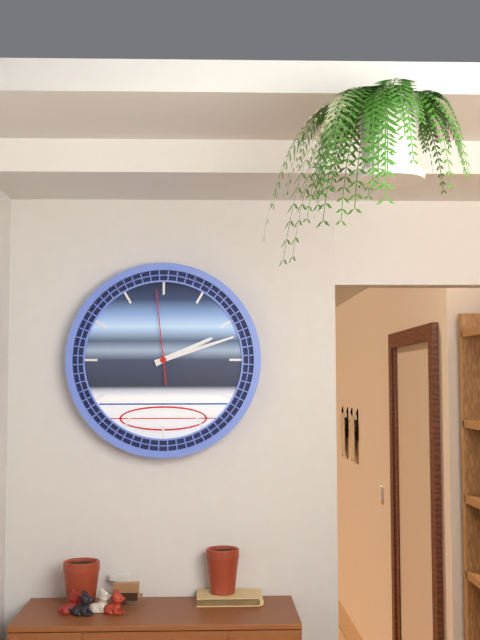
**2:12:59**
